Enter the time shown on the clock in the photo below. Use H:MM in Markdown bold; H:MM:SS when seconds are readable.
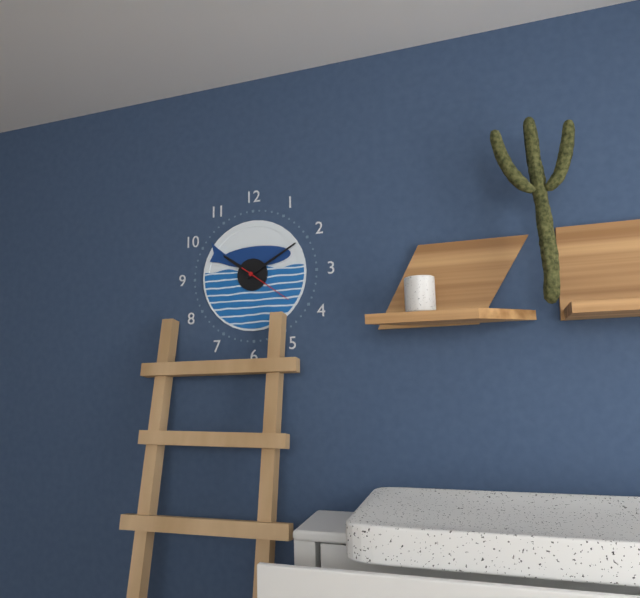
**10:10:21**
